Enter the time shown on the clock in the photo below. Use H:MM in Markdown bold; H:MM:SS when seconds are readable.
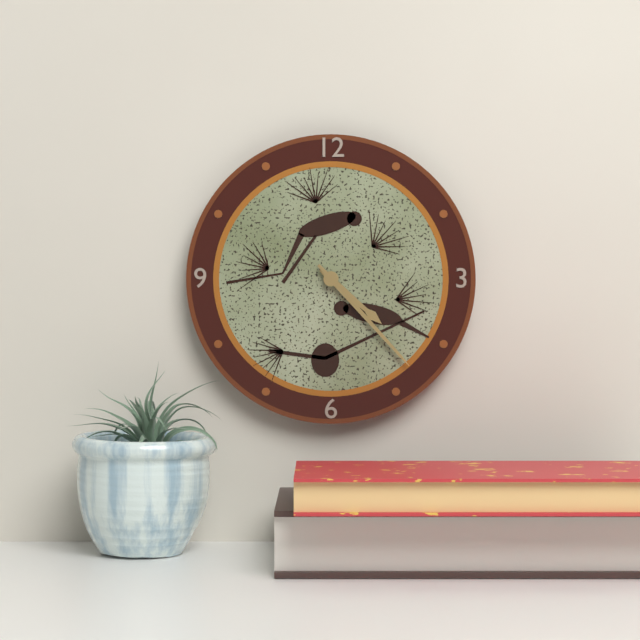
**4:23**
